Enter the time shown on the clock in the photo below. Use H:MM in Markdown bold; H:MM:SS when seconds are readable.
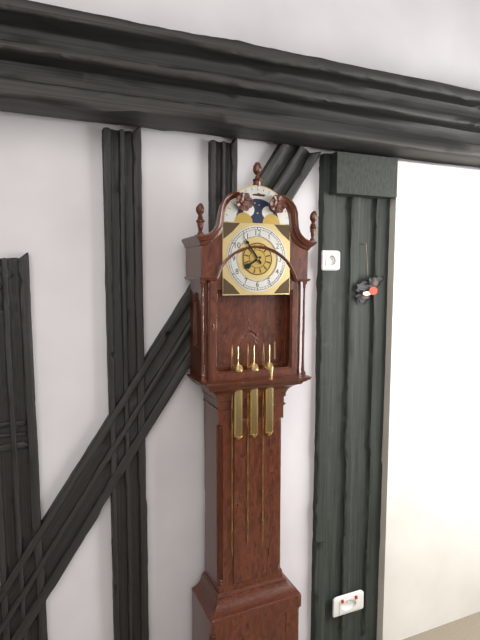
**7:54**
